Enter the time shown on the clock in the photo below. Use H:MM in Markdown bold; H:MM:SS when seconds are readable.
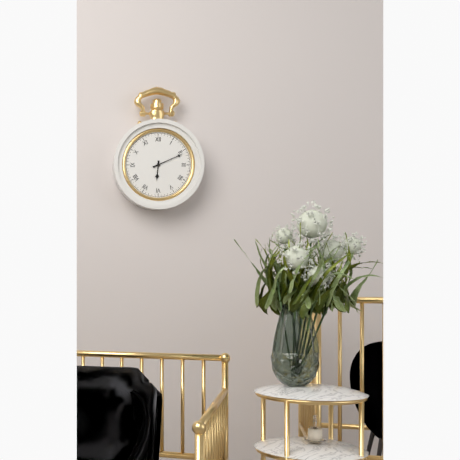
**6:11**
